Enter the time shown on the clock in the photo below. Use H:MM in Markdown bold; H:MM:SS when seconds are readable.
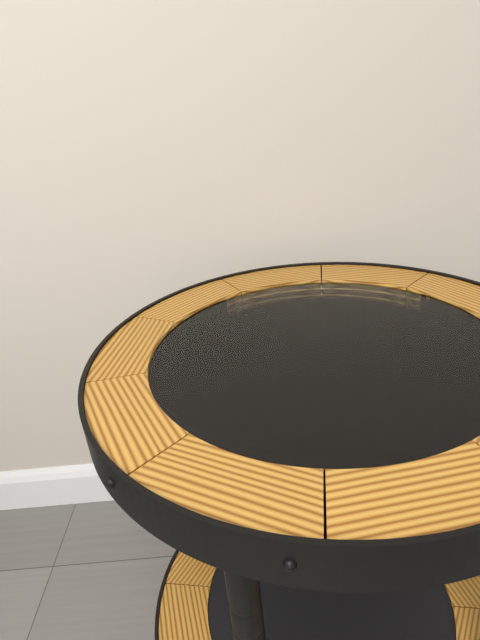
**10:55**
